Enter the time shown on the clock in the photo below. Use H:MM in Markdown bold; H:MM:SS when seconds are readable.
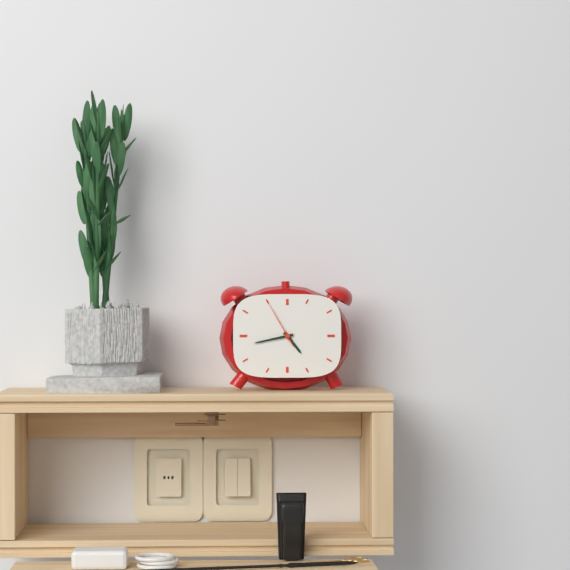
**4:43**
